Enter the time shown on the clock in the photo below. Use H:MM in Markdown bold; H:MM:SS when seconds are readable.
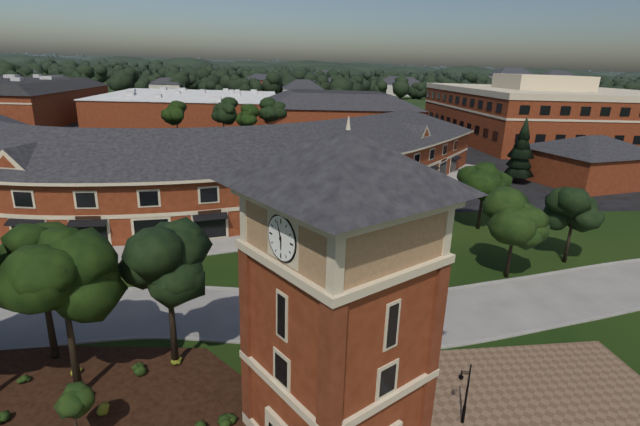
**5:57**
